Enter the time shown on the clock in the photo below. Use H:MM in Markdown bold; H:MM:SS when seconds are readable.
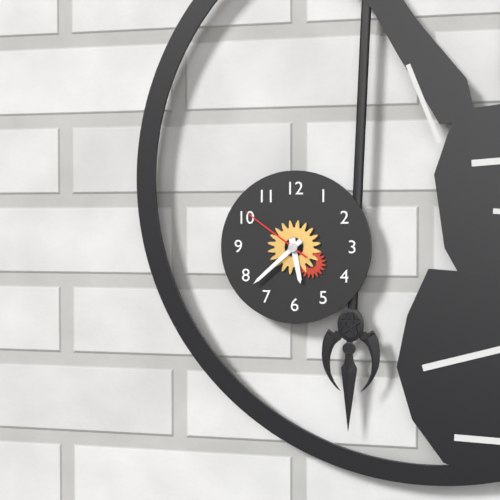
**5:38:51**
